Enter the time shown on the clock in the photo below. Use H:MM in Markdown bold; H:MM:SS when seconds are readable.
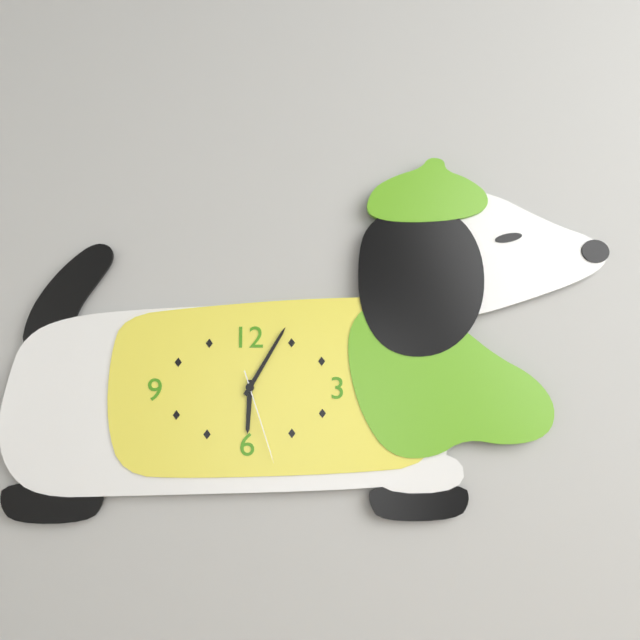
**6:05:27**
